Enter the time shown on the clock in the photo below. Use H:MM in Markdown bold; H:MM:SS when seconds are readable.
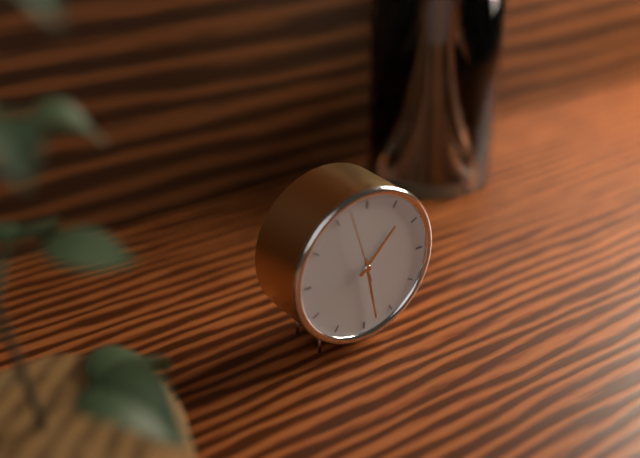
**1:28:57**
